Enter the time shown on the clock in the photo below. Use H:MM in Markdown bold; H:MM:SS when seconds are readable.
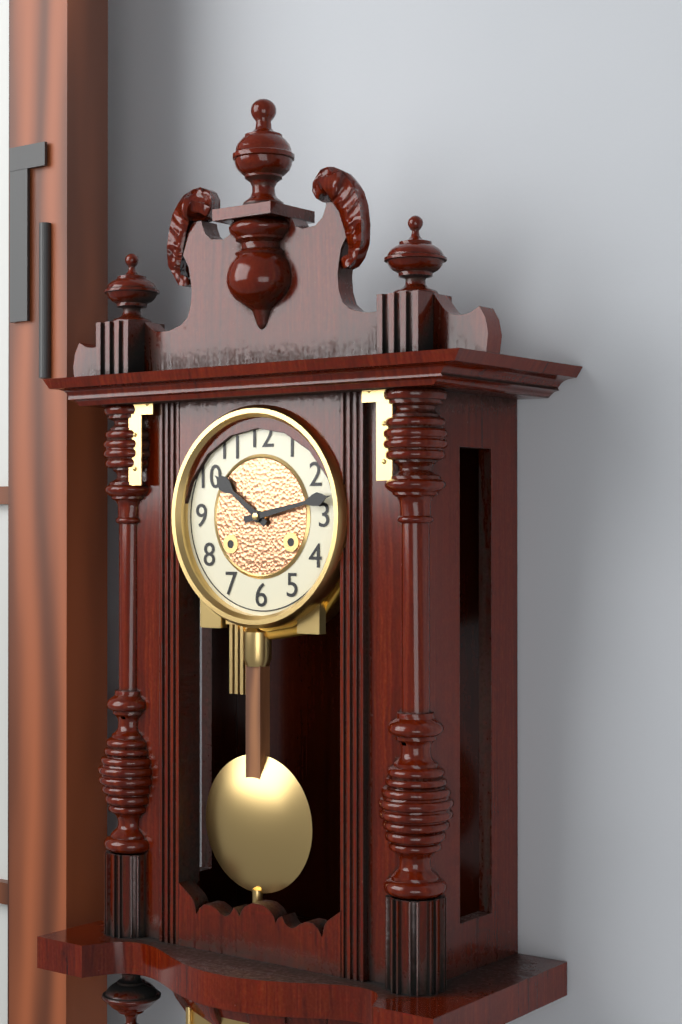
**10:13**
